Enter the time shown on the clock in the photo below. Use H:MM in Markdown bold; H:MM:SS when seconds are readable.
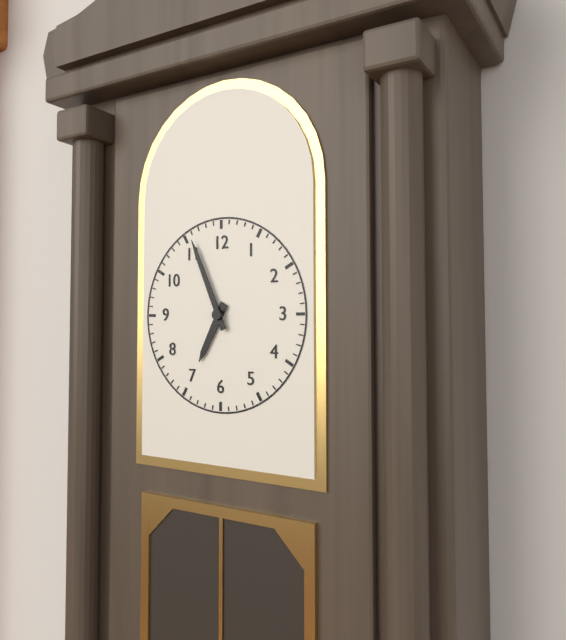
**6:56**
